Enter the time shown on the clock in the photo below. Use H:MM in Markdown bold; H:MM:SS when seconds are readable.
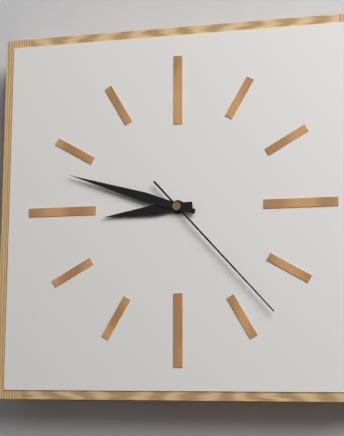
**8:48:23**
